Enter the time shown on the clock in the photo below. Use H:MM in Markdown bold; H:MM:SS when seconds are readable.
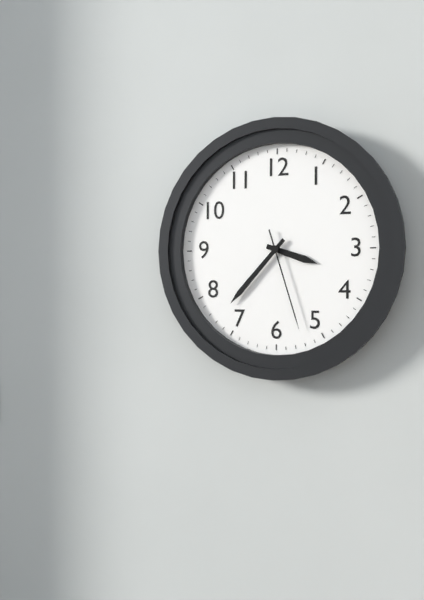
**3:37:27**
